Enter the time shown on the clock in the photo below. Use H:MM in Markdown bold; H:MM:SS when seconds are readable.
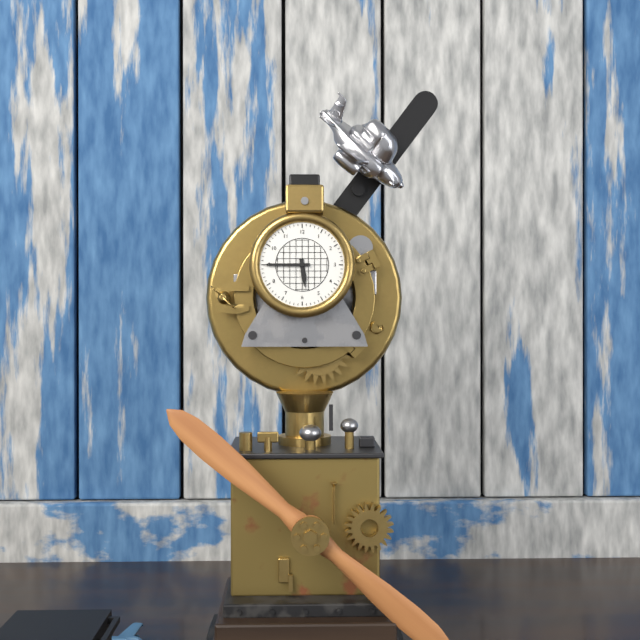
**5:45**
